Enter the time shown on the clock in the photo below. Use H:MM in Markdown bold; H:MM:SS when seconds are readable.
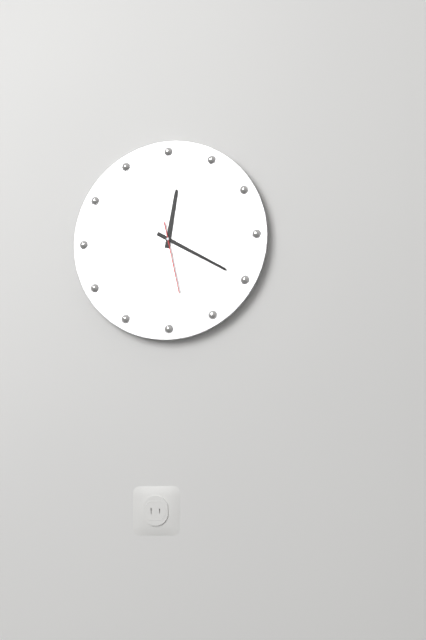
**12:20:28**
